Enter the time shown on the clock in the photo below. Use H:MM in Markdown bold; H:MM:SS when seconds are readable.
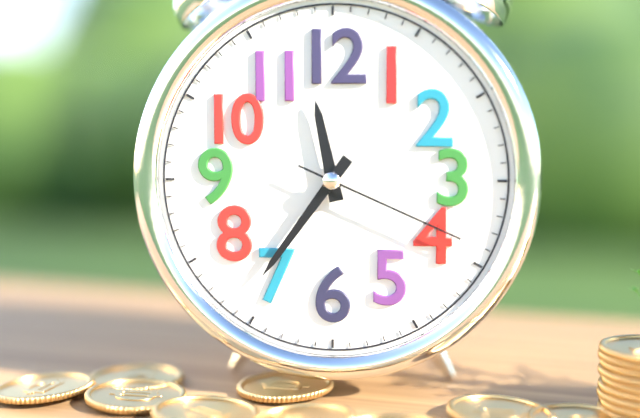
**11:36:19**
